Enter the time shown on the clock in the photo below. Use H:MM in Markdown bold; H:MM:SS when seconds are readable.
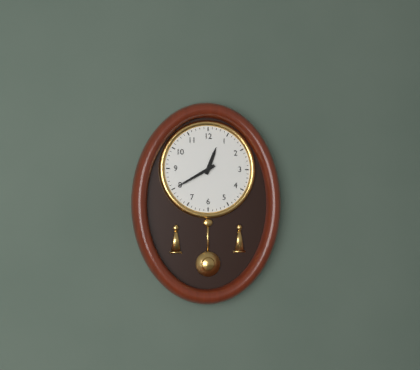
**12:40**
